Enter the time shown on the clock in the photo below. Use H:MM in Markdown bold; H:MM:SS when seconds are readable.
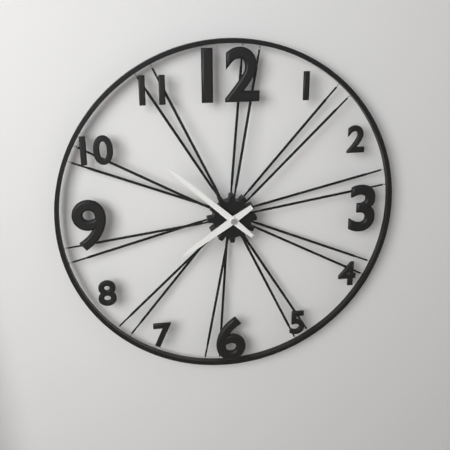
**7:52**
